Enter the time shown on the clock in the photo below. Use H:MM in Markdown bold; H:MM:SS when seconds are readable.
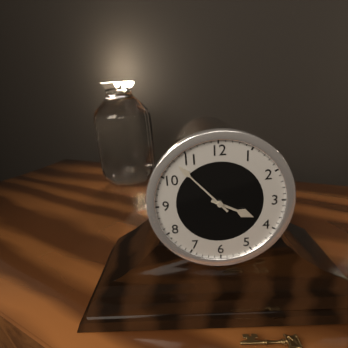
**3:53**
